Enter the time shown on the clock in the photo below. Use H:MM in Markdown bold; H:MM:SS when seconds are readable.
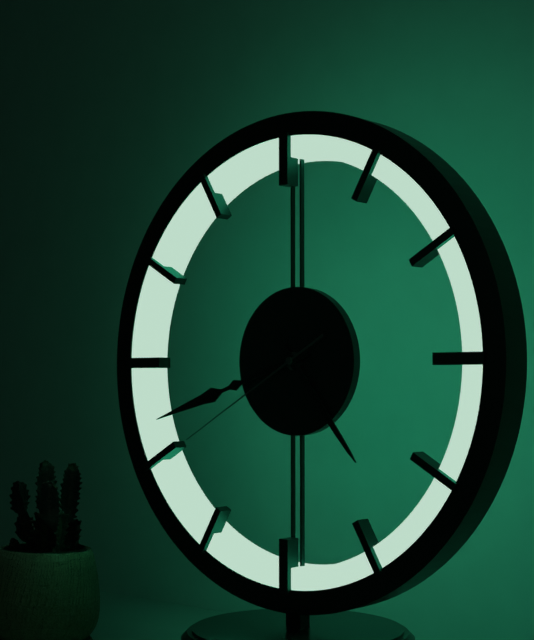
**4:42:40**
